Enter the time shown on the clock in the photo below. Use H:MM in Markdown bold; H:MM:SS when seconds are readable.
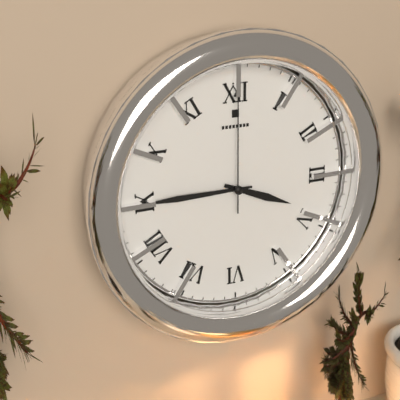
**3:45:00**
